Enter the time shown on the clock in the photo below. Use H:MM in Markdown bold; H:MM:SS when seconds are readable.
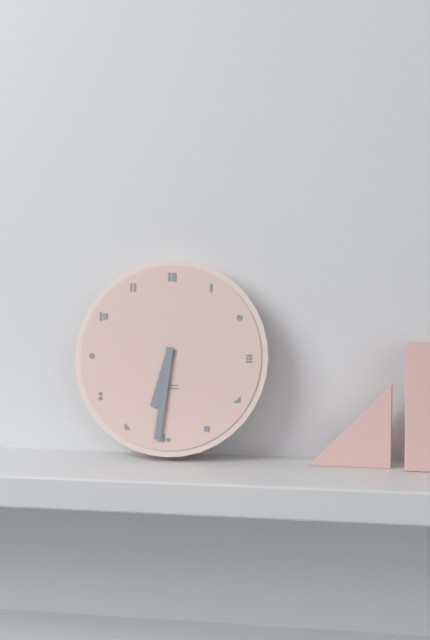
**6:31**
